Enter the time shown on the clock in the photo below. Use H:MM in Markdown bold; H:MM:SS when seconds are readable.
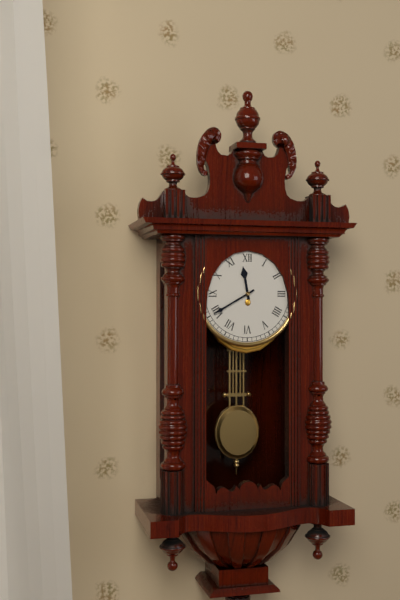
**11:40**
